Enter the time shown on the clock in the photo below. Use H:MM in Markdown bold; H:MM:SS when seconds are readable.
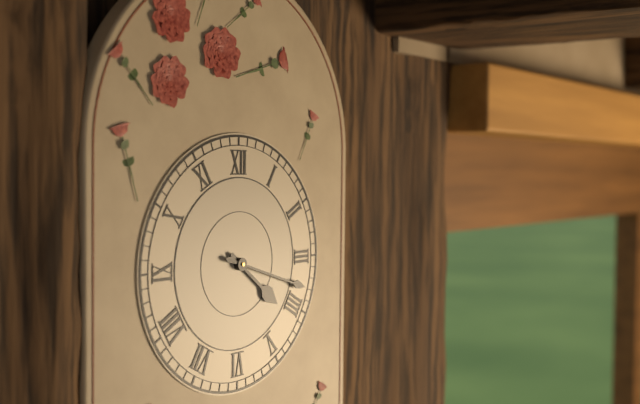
**4:18**
